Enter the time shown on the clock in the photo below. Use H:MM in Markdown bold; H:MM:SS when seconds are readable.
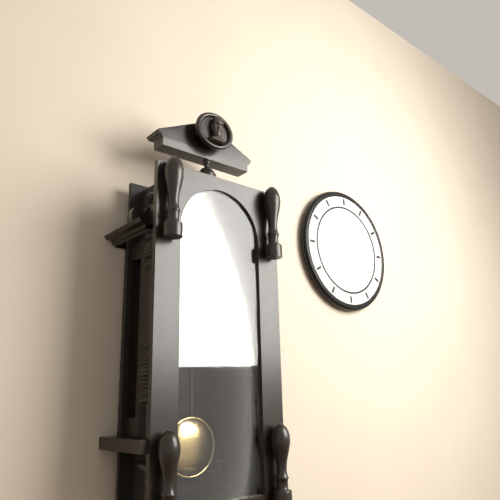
**7:25**
